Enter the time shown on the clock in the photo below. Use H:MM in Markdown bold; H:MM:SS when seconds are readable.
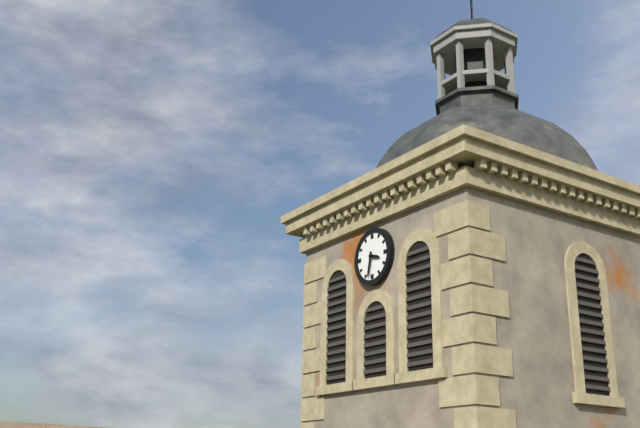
**3:32**
